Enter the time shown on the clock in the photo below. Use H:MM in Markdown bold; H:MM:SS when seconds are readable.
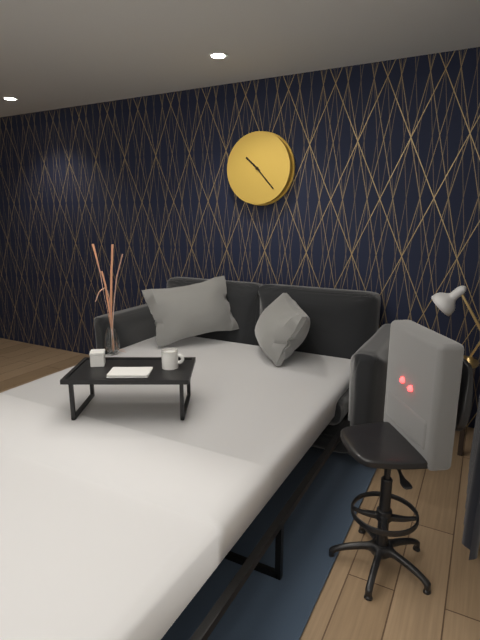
**10:23**
